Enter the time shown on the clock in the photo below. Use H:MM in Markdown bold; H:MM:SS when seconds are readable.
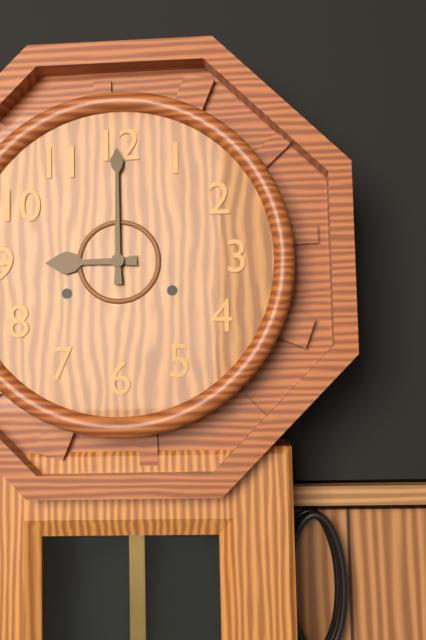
**9:00**
